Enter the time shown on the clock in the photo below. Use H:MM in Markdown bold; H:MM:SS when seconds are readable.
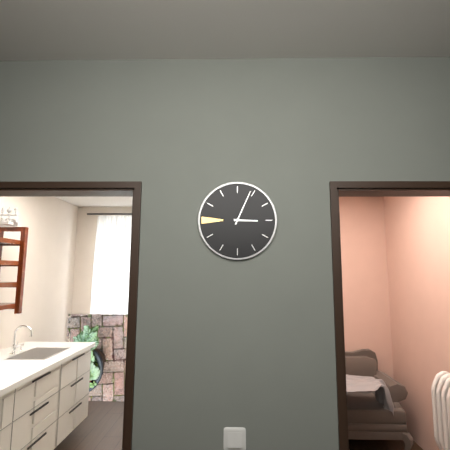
**3:04**
